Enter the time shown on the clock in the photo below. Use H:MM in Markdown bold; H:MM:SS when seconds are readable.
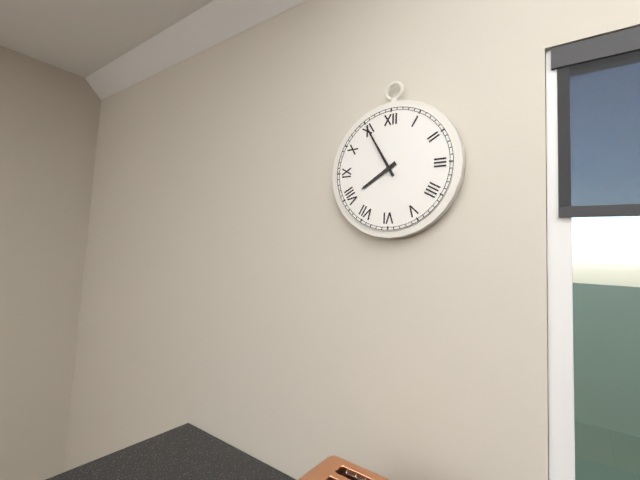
**7:55**
